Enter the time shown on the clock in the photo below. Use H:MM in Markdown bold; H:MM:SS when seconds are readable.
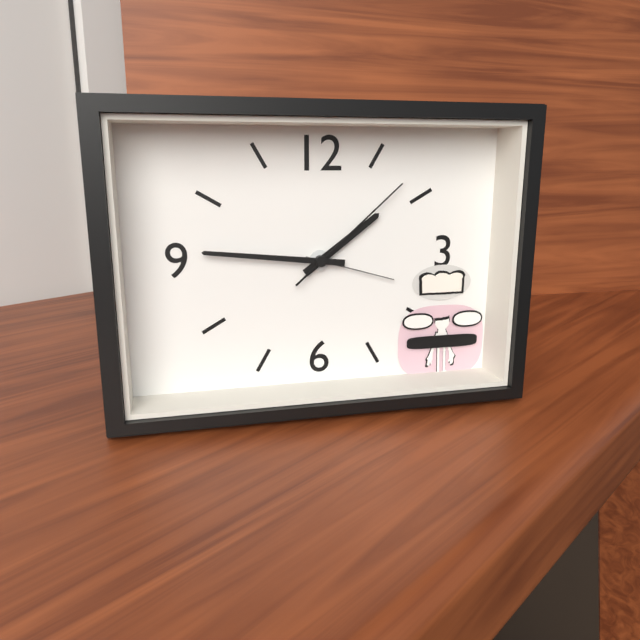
**1:46:08**
